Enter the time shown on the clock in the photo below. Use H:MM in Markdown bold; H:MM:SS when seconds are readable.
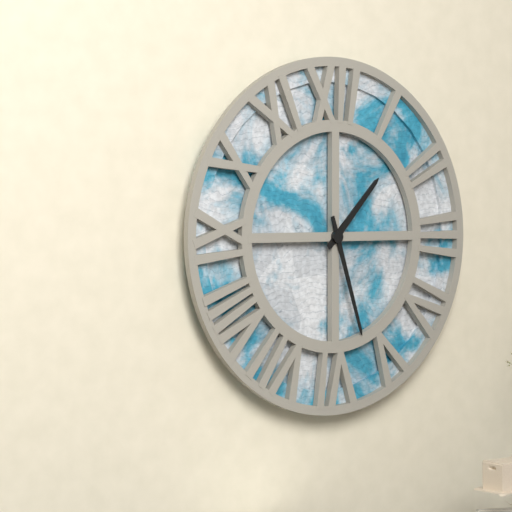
**1:27**
